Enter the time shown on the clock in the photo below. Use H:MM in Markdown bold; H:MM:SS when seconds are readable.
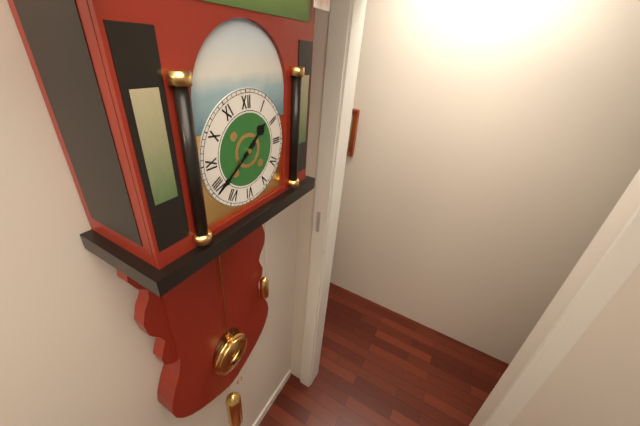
**1:39**
